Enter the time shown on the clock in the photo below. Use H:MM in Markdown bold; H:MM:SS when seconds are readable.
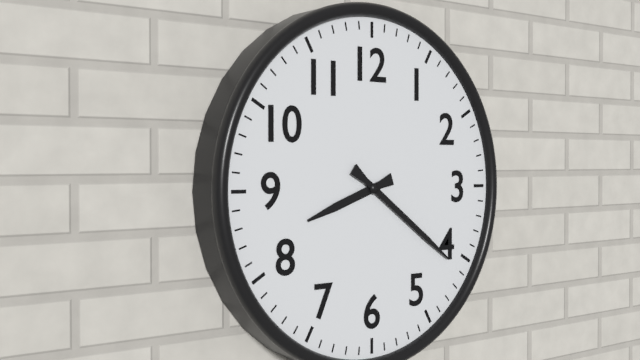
**8:21**
